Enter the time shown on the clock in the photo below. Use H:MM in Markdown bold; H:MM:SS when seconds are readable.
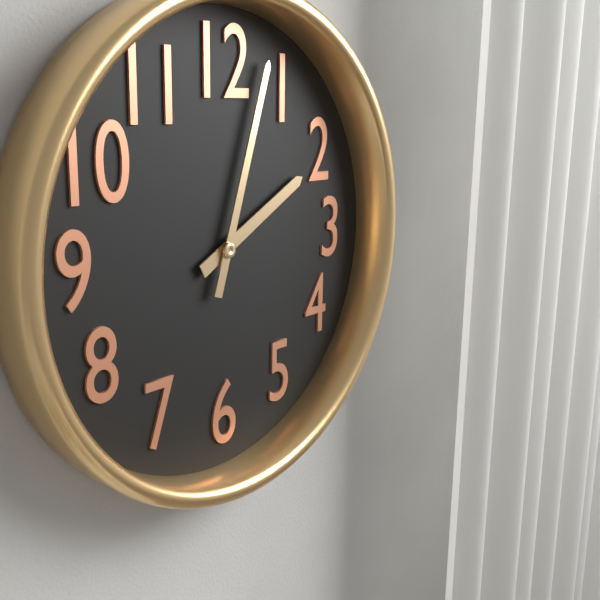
**2:03**
